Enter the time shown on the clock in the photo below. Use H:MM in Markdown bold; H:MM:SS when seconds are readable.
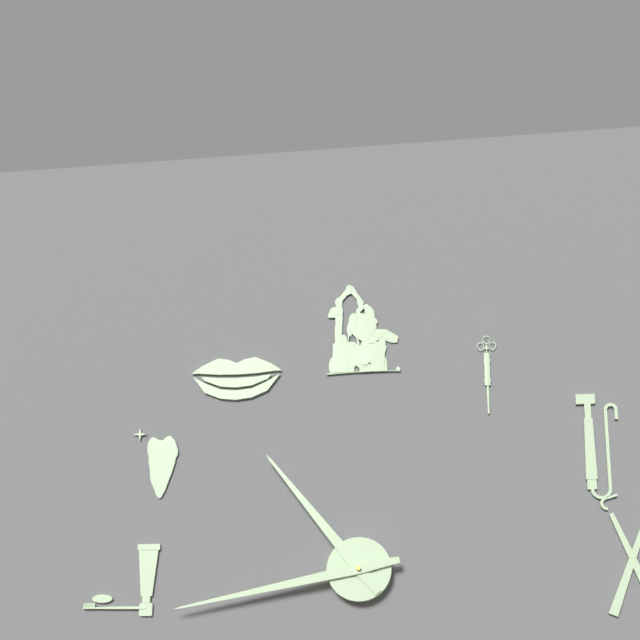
**10:43**
